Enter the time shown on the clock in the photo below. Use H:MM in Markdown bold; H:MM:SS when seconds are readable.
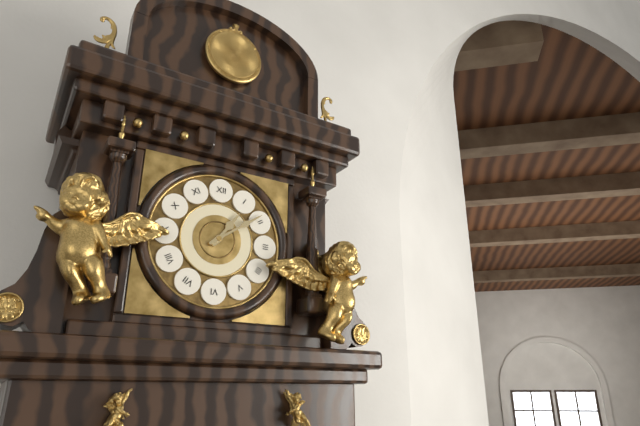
**1:09**
